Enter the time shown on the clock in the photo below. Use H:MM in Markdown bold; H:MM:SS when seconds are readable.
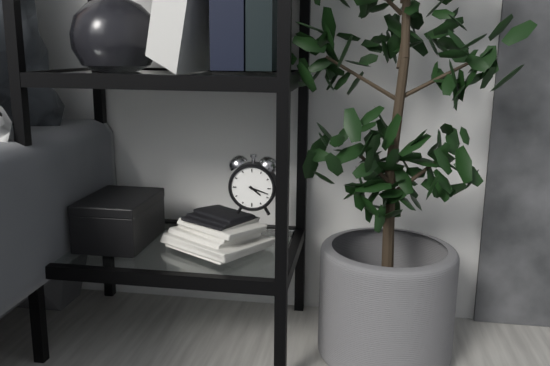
**4:18**
